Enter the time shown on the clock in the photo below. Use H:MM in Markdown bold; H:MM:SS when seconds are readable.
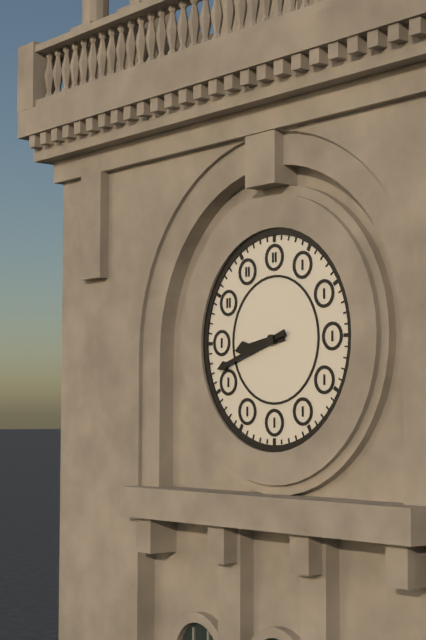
**8:42**
